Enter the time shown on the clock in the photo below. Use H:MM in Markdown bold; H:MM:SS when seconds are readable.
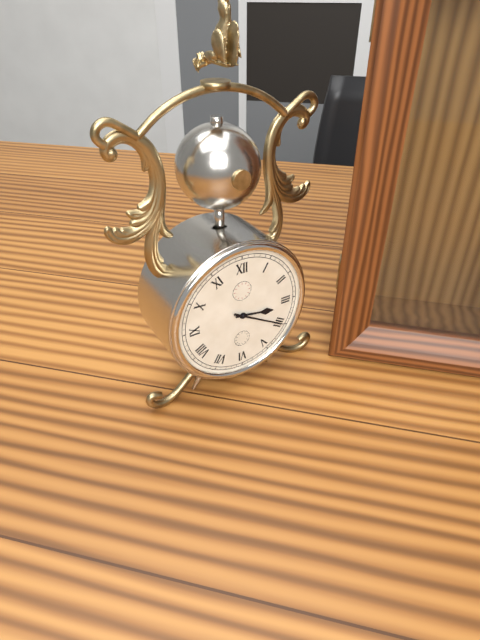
**3:20**
